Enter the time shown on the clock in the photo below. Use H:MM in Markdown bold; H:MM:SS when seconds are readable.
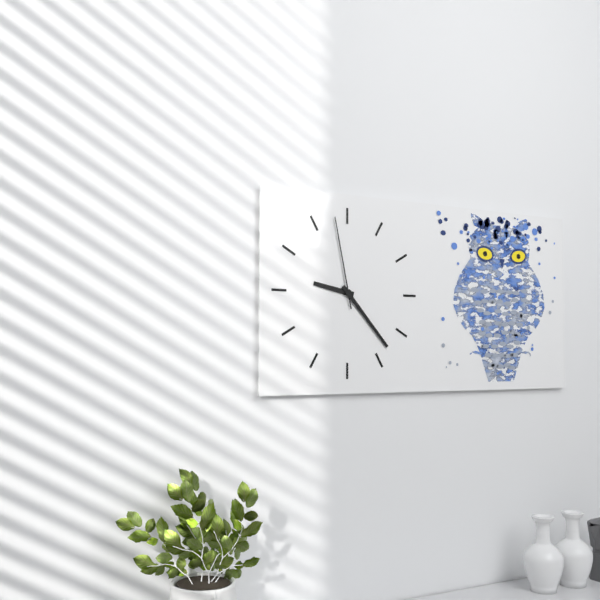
**9:23:58**
